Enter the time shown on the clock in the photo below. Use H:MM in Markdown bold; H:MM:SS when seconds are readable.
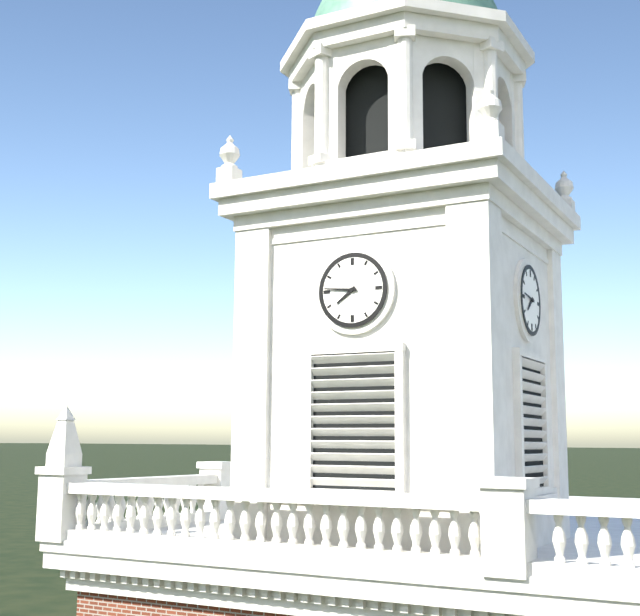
**7:46**
